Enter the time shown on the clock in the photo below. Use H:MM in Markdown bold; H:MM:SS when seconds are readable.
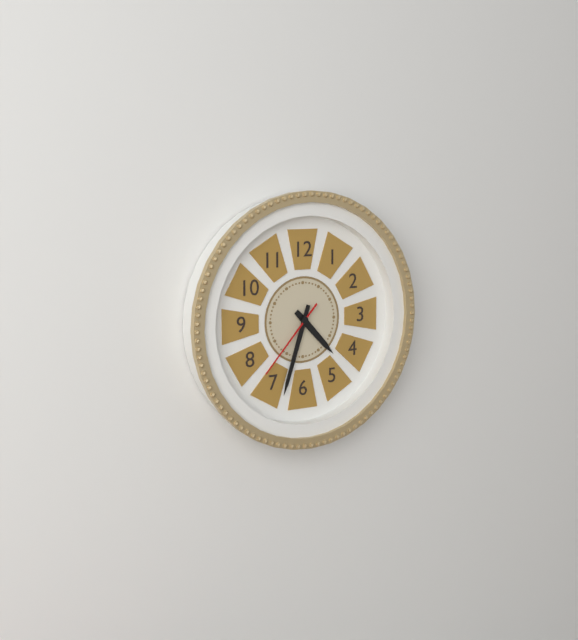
**4:33:37**
